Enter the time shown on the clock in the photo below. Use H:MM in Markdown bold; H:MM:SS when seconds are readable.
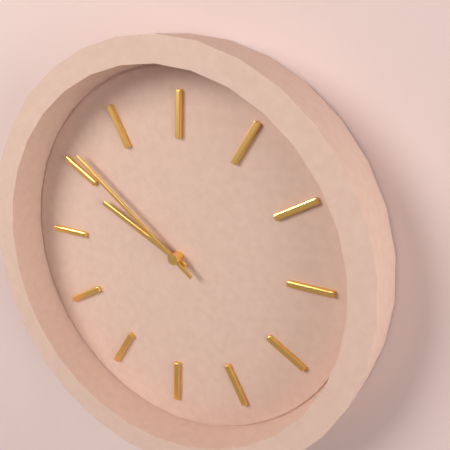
**9:51**
